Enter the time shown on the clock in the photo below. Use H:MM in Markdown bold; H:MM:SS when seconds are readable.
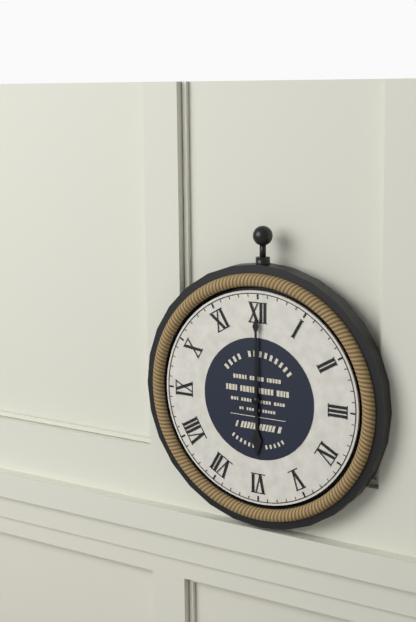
**6:00**
